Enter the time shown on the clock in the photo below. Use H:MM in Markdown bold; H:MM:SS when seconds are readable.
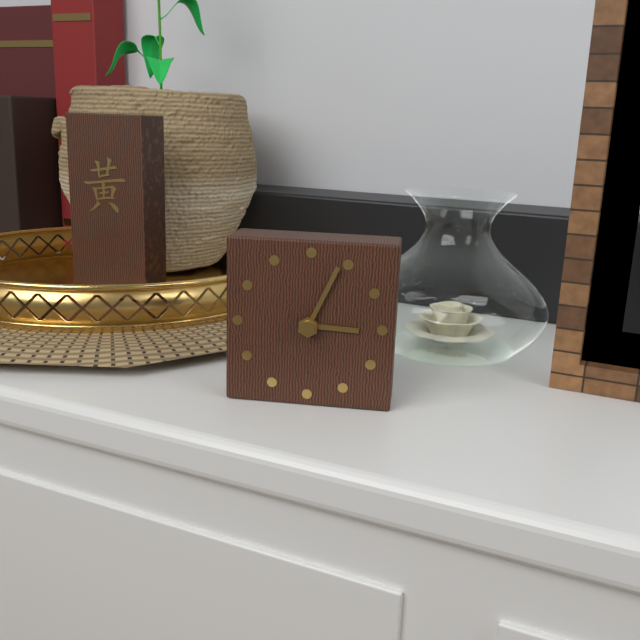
**3:04**
